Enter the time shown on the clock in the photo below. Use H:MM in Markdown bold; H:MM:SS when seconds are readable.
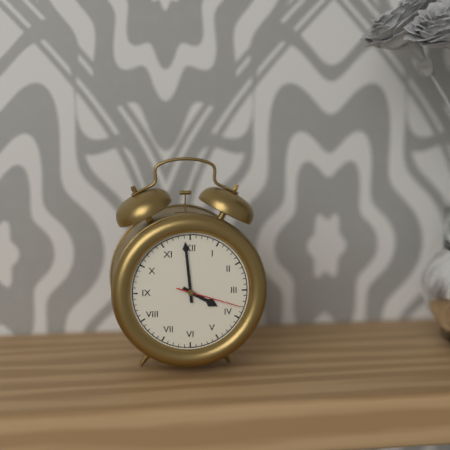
**3:59:18**
